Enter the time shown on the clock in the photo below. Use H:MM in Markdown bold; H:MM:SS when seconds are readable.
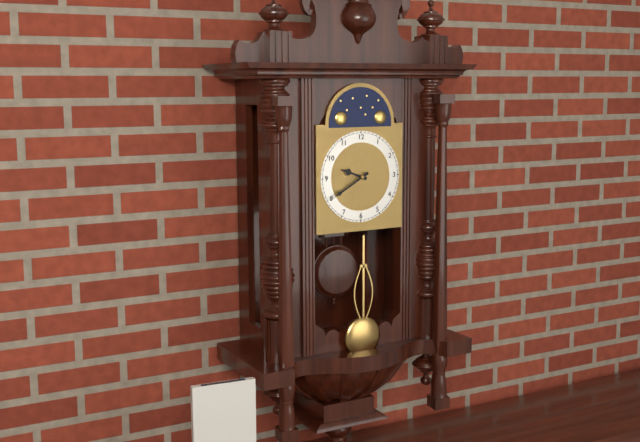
**9:40**
